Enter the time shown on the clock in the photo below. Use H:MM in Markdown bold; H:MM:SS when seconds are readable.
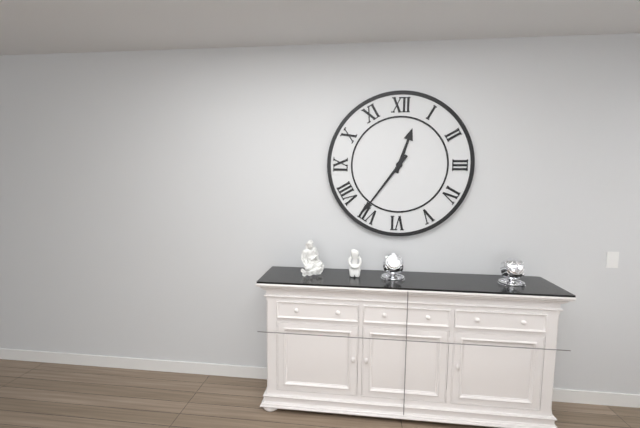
**12:36**
